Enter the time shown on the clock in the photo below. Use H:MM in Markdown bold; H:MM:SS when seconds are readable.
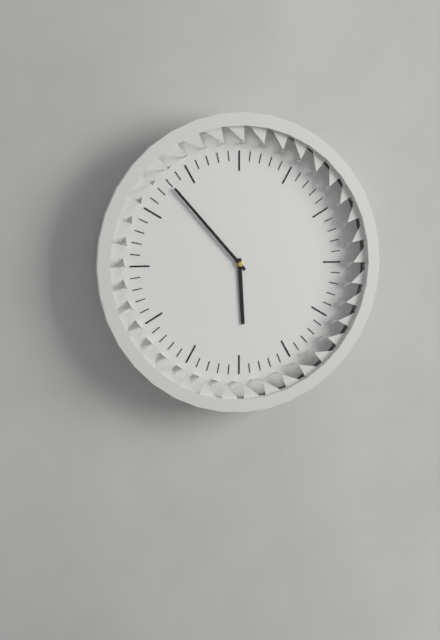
**5:53**
